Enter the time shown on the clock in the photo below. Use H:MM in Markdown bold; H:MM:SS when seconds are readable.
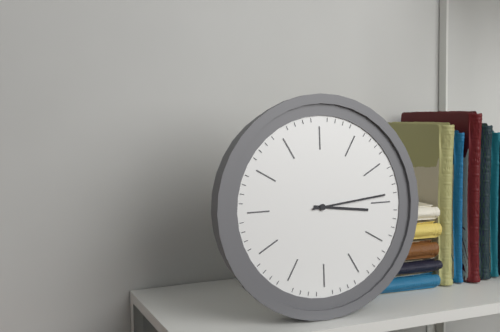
**3:14**
